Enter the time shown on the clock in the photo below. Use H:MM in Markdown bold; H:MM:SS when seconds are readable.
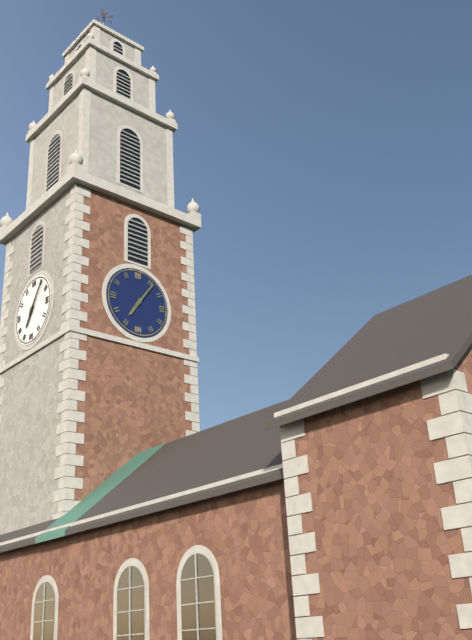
**7:06**
